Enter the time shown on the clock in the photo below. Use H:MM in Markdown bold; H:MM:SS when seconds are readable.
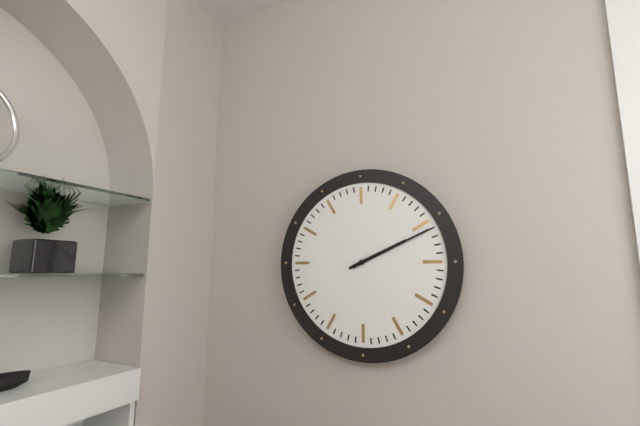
**2:11**
